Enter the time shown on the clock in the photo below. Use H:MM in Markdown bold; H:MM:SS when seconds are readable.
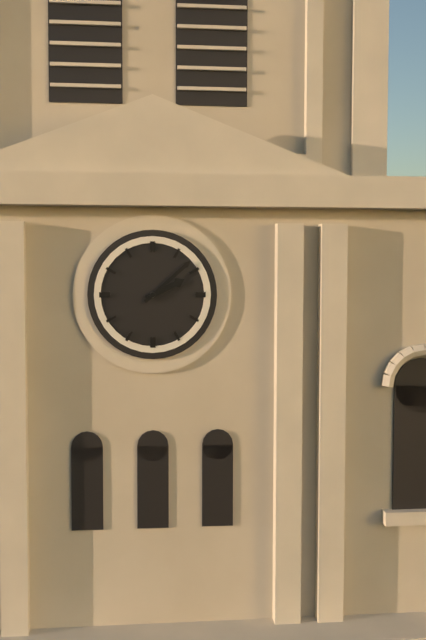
**2:08**
